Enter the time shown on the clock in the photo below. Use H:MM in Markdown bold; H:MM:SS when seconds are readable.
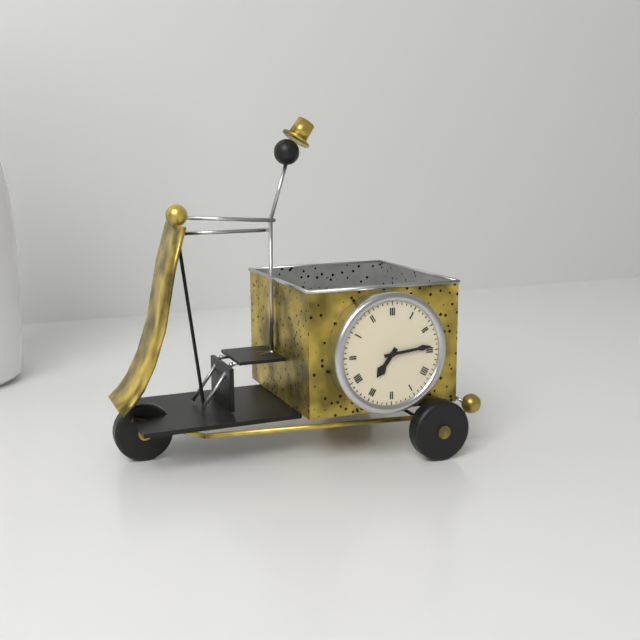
**7:14**
